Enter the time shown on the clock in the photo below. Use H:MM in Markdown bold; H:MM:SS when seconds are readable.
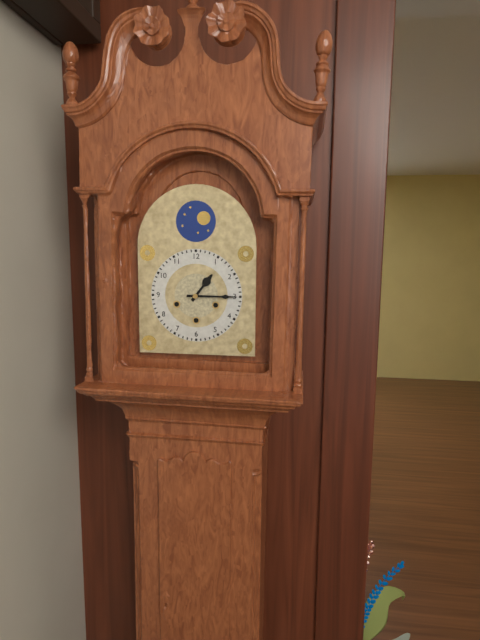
**1:15**
